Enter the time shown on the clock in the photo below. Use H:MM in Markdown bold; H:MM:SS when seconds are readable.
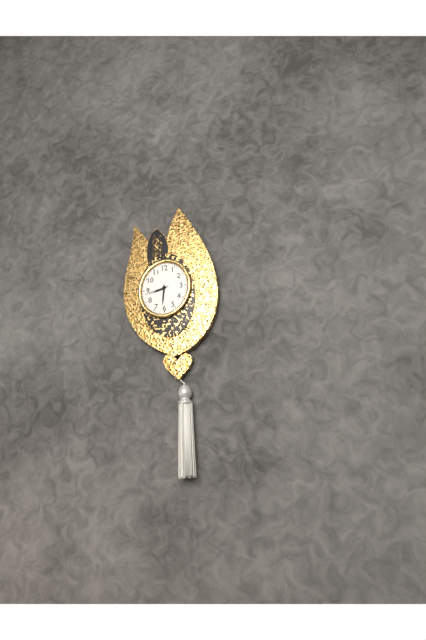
**8:31**
